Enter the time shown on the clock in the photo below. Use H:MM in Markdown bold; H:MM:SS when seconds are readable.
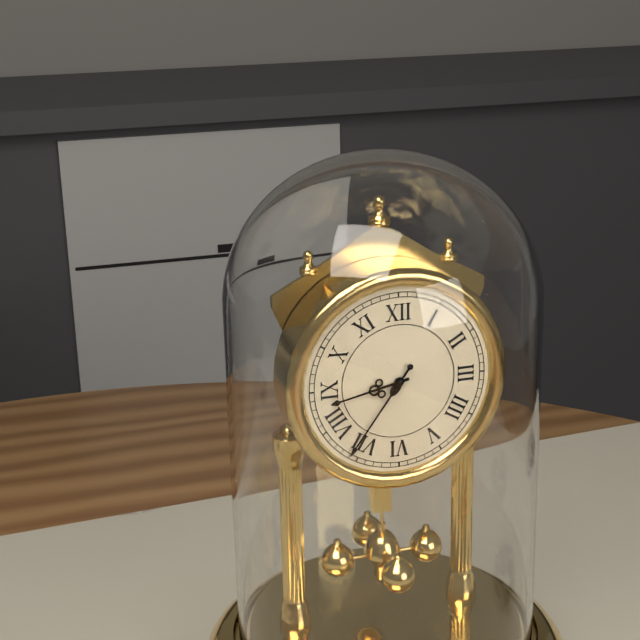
**8:36**
